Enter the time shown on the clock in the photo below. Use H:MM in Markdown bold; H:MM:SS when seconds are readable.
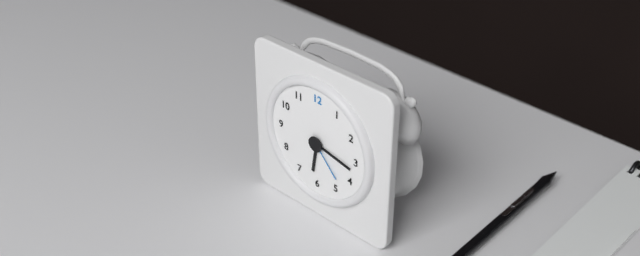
**6:17:23**
